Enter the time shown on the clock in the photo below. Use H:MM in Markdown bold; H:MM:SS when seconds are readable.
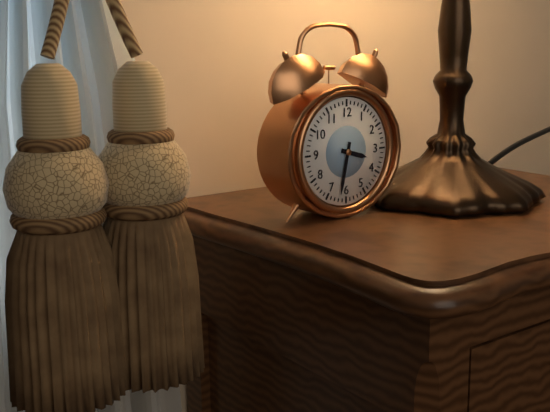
**3:32**
